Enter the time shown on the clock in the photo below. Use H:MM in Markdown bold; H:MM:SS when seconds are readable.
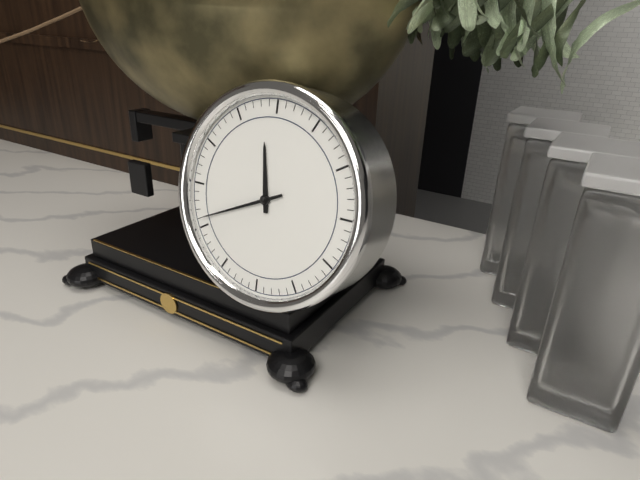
**11:41**
